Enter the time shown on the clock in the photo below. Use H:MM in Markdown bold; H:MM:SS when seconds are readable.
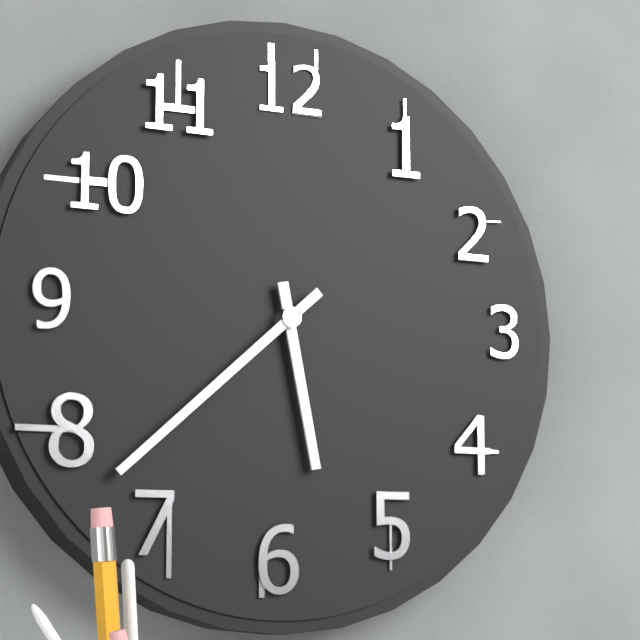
**5:38**
